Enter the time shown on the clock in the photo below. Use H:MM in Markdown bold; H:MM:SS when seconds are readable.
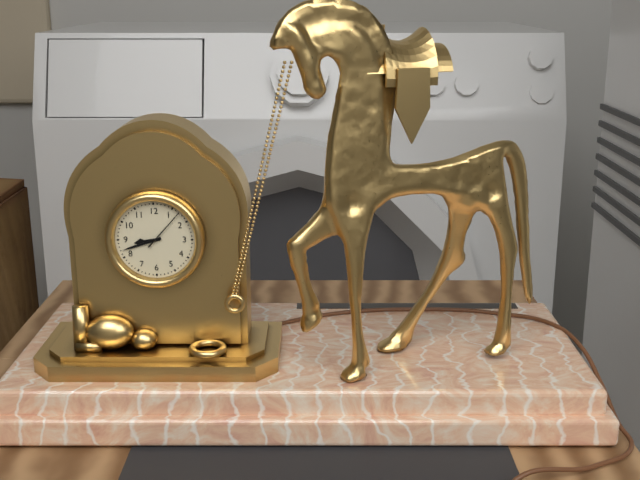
**8:42**
